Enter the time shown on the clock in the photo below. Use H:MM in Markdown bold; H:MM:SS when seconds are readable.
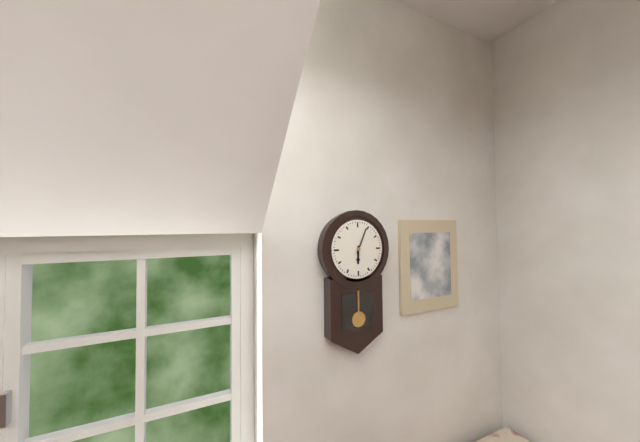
**6:04**
